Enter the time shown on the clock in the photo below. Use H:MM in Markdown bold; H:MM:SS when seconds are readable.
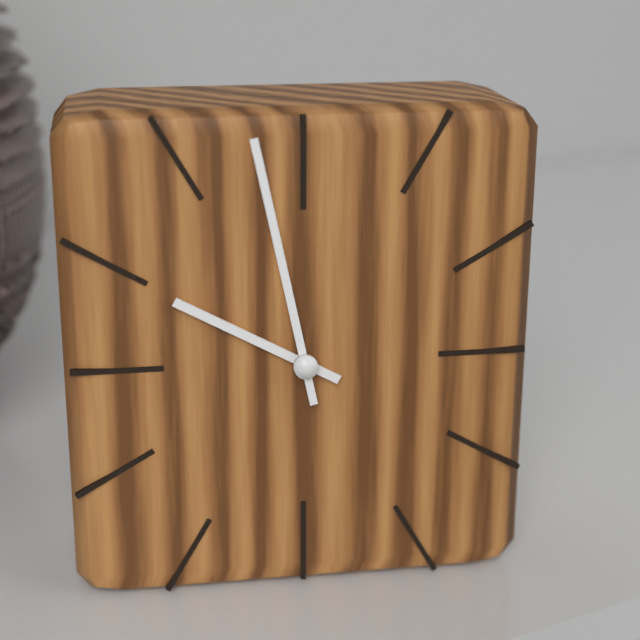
**9:58**
